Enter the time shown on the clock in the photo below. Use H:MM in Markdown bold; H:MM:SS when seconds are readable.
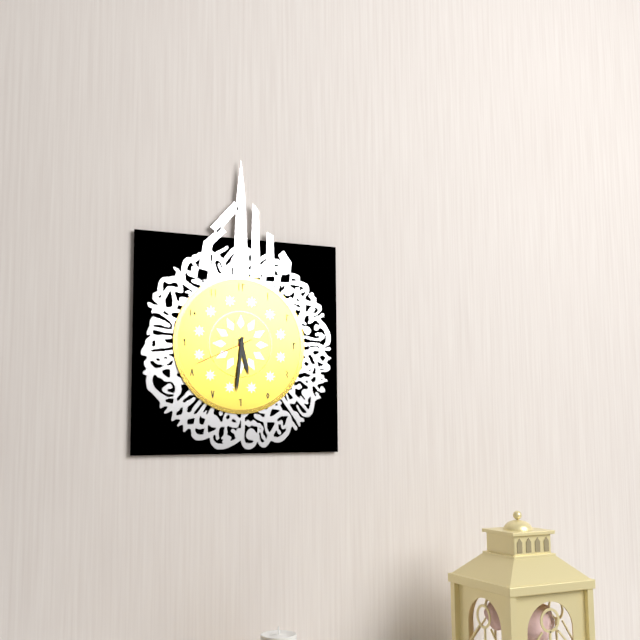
**5:31:41**
